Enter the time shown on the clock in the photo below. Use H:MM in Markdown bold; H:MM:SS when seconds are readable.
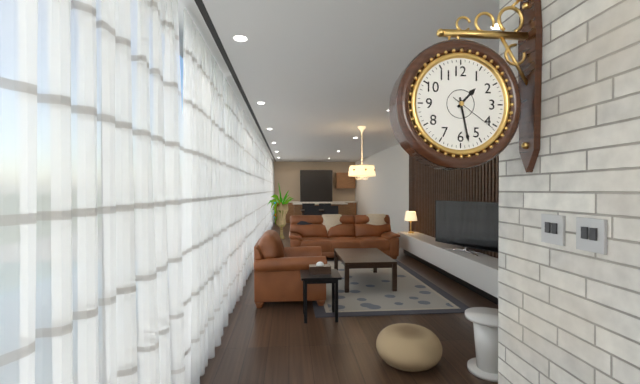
**1:28:21**
